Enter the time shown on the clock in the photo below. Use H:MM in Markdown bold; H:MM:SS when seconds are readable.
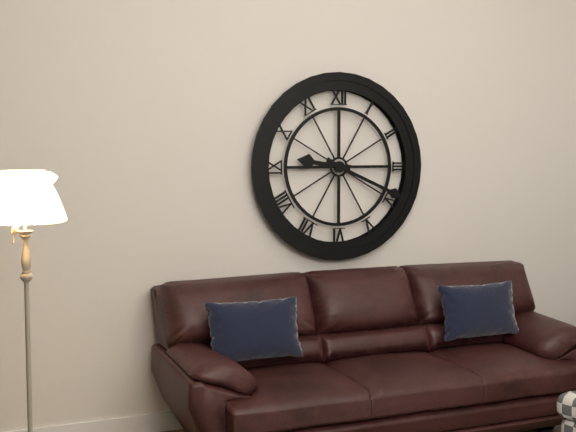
**9:19**
